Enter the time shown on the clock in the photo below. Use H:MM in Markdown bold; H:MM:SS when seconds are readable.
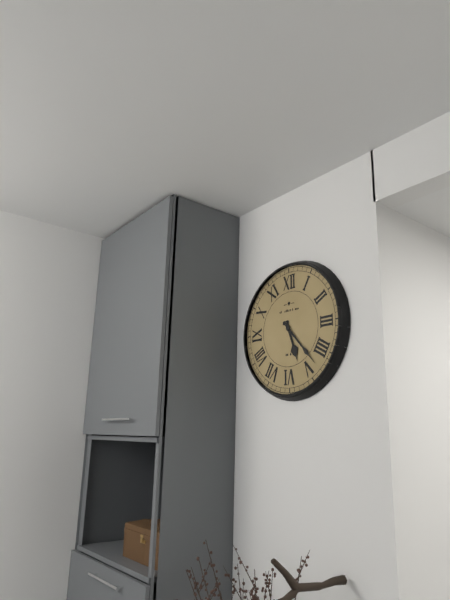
**5:23**
